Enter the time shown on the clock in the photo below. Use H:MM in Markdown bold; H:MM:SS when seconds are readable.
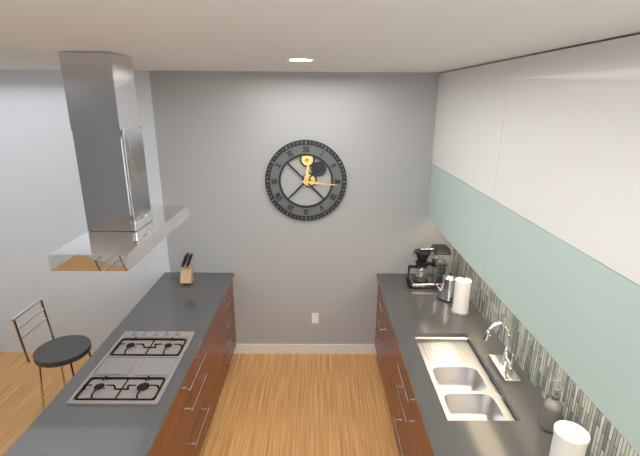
**12:16**
